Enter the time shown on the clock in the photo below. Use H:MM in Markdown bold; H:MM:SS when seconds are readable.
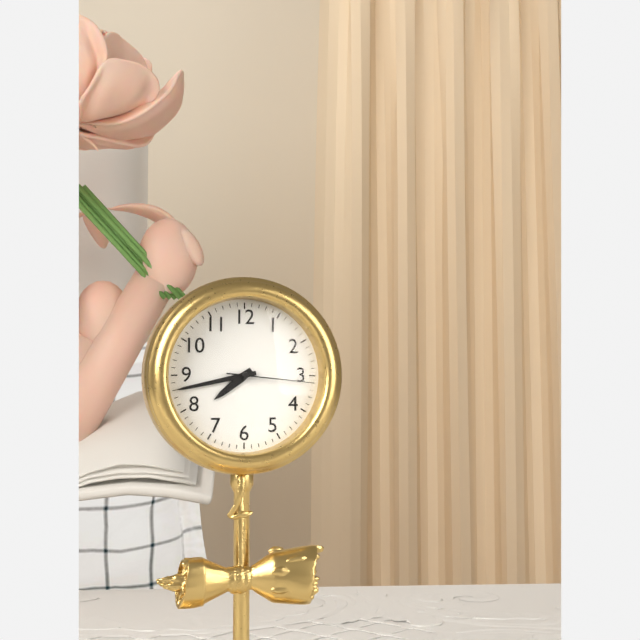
**7:43:16**
